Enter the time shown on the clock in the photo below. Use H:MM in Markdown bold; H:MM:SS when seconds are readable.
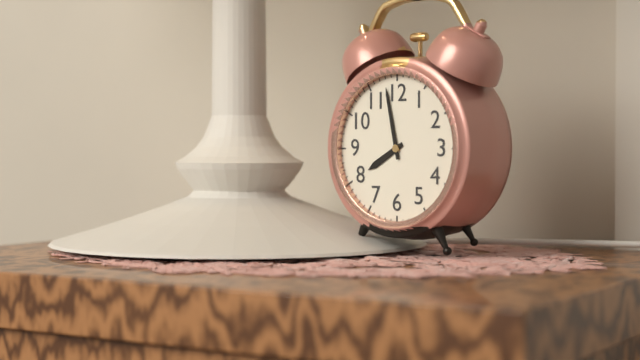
**7:58**
